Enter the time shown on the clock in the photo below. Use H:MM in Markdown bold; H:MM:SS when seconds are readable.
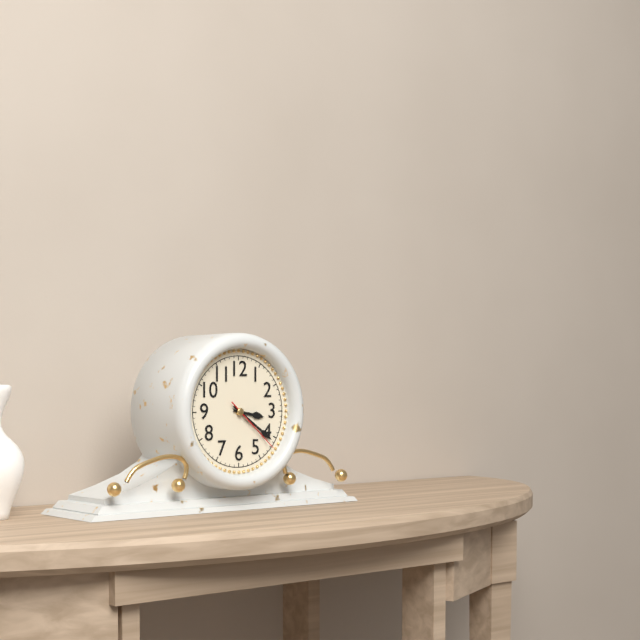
**3:21:22**
